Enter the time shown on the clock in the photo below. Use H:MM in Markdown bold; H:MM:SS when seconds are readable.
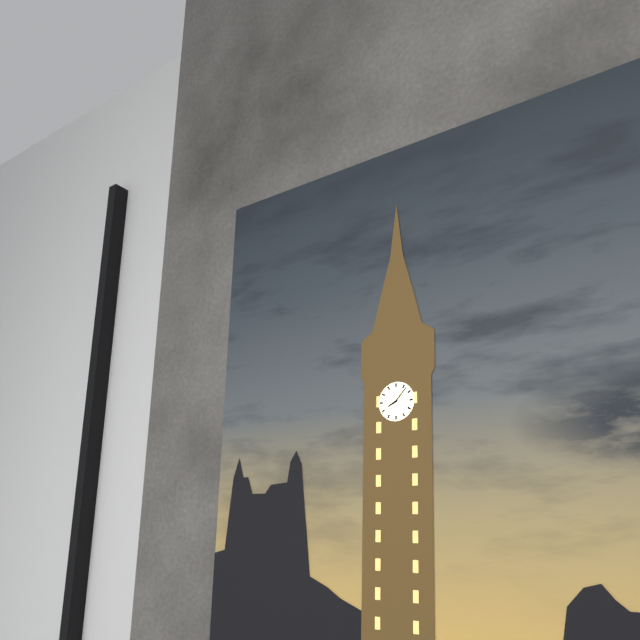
**8:07**
